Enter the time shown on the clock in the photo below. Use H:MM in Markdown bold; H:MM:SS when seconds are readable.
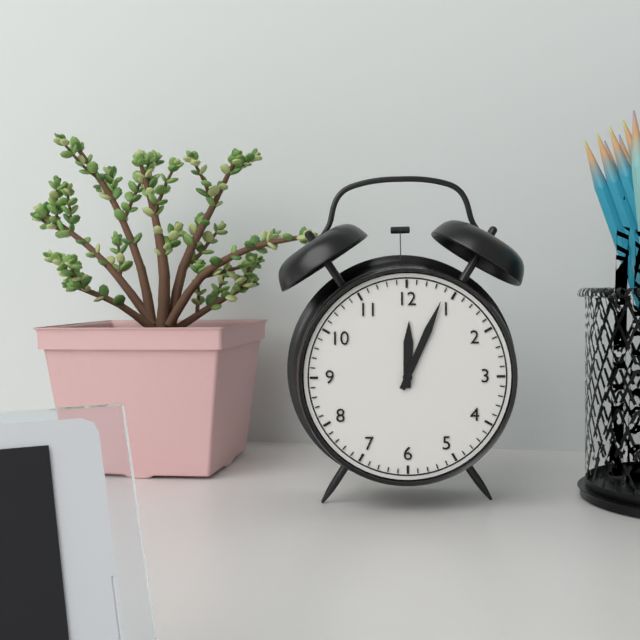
**12:04**
